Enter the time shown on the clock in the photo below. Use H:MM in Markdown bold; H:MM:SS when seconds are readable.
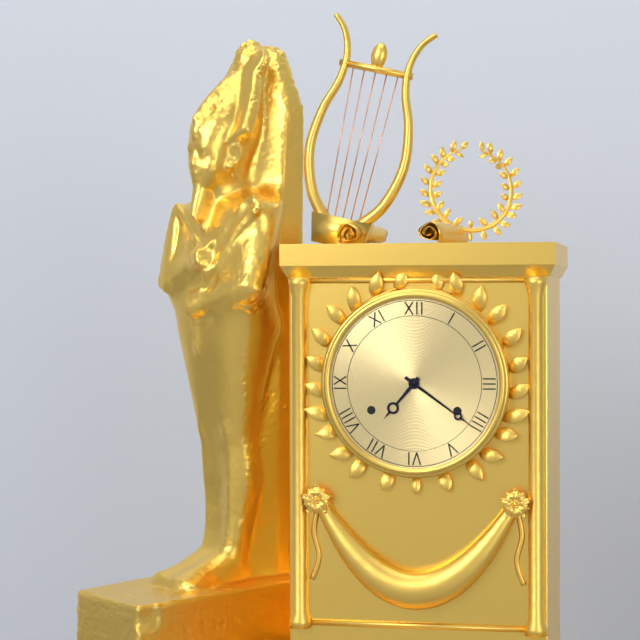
**7:21**
